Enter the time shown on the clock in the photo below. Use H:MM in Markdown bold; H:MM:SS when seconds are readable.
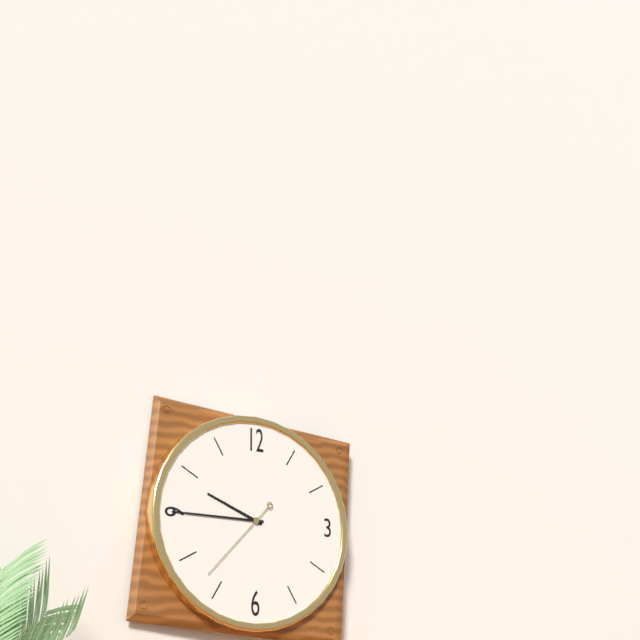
**9:45:37**
